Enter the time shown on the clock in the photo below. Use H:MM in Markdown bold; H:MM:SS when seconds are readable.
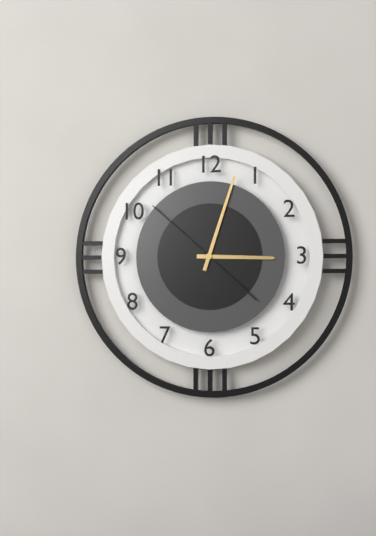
**3:03:52**
